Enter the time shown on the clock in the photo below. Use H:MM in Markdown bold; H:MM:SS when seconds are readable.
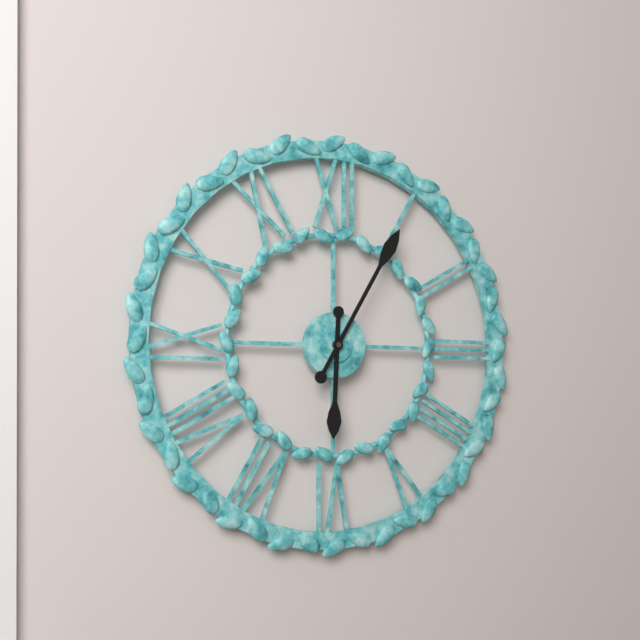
**6:05**
